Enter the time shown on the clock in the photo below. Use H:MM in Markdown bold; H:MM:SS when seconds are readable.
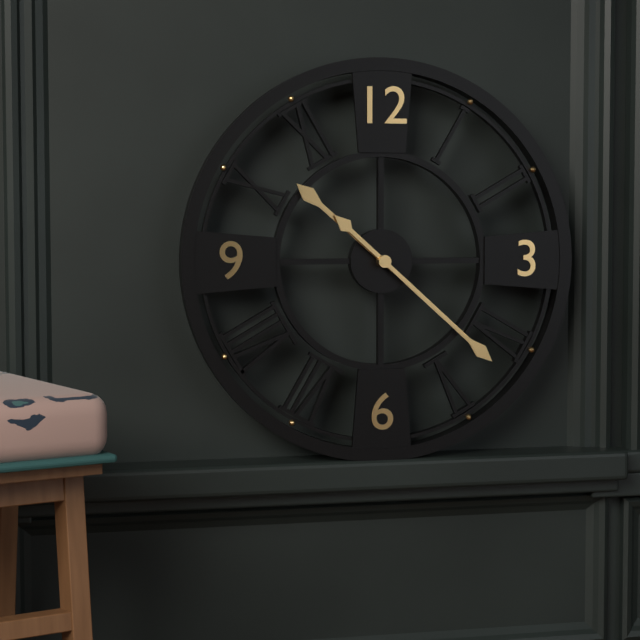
**10:22**
